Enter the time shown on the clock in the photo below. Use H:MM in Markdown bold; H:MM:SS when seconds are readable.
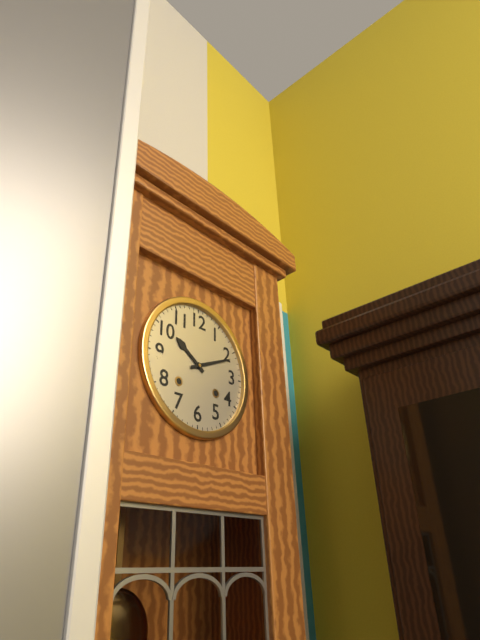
**10:11**
